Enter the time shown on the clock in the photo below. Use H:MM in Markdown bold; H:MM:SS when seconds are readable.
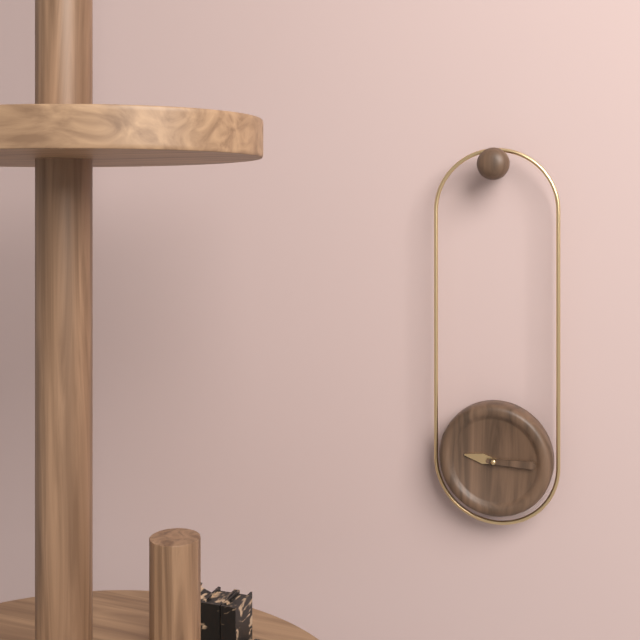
**9:15**
